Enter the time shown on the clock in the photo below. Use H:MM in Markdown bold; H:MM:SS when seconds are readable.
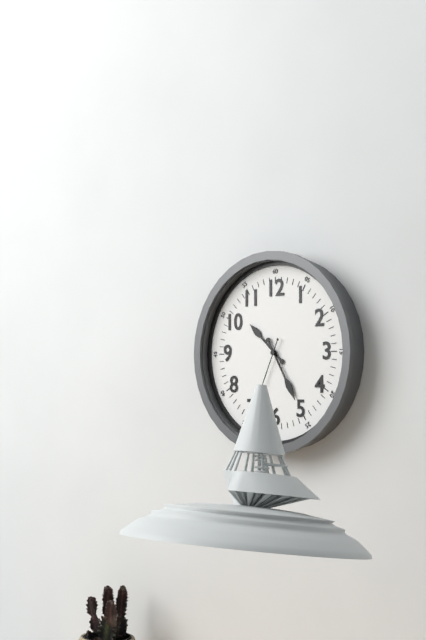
**10:25**
